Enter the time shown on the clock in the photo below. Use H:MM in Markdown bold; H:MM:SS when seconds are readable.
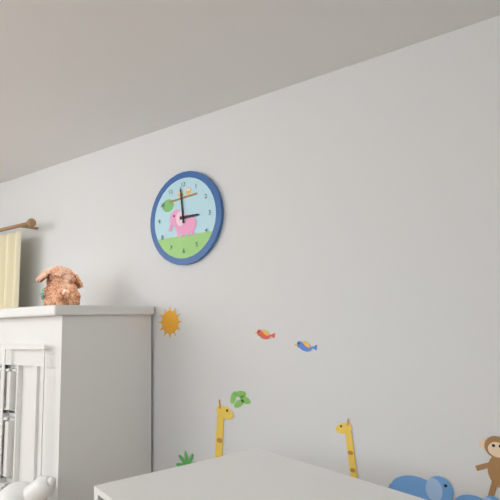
**2:59**
